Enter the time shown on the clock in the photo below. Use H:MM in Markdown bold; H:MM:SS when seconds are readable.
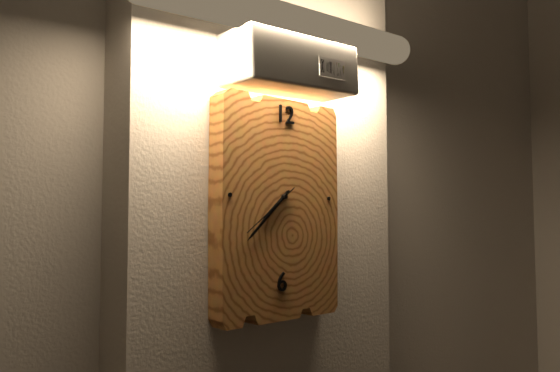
**7:38:39**
